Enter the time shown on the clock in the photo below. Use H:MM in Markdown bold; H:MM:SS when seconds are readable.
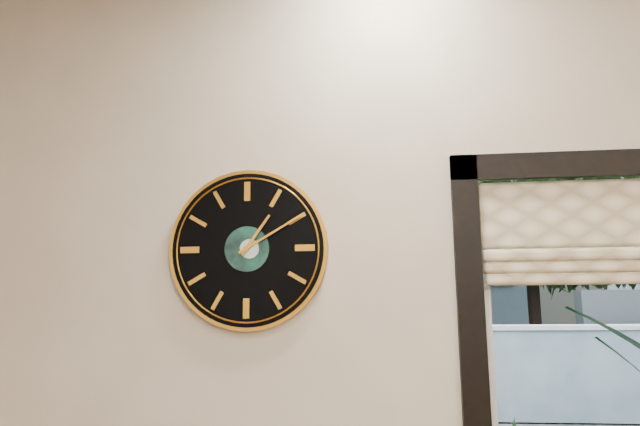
**1:10**
